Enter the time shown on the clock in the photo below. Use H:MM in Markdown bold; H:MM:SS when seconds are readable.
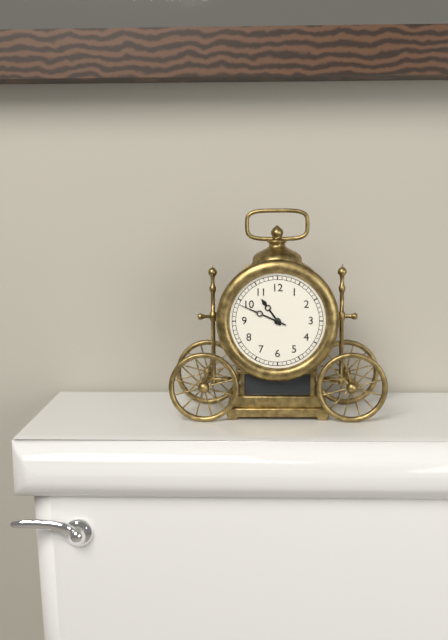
**10:49**
